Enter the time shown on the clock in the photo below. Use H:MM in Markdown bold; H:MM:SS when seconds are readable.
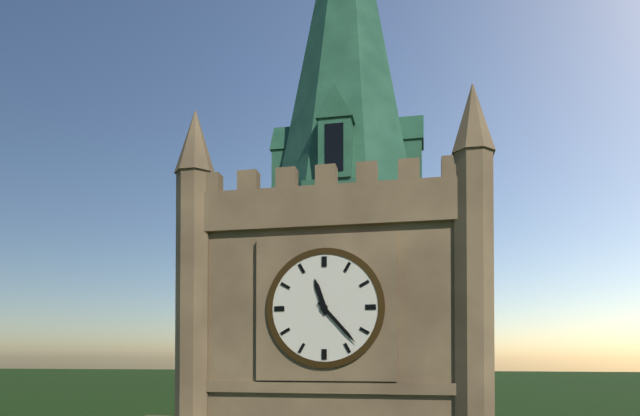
**11:23**
